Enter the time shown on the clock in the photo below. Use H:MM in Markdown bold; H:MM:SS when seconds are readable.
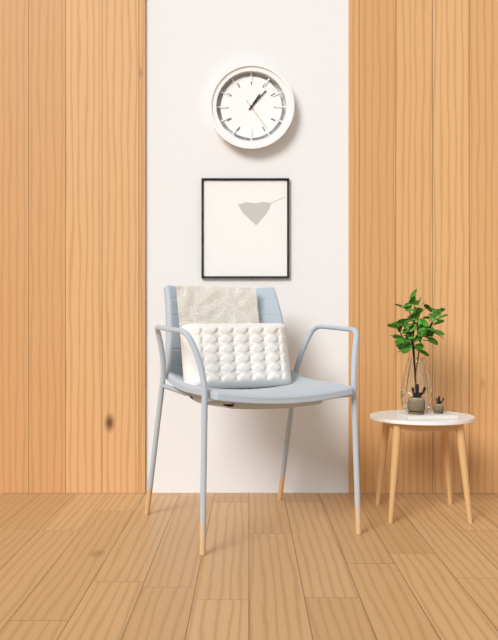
**1:07**
